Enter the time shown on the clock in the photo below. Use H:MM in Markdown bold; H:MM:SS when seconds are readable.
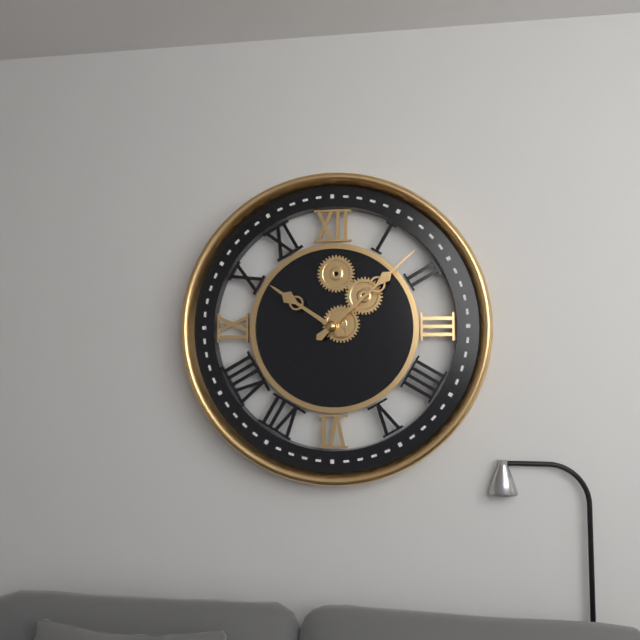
**10:08**
